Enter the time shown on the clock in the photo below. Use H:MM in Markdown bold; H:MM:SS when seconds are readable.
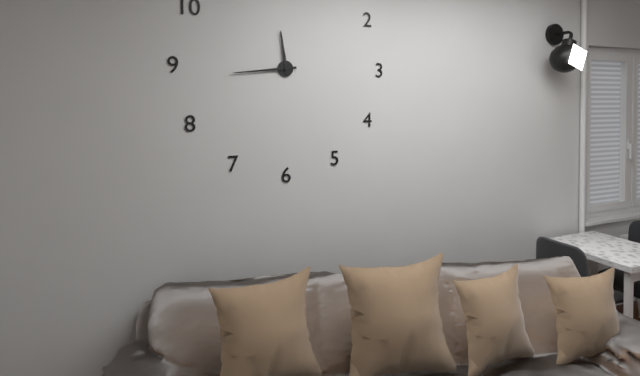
**11:44**
